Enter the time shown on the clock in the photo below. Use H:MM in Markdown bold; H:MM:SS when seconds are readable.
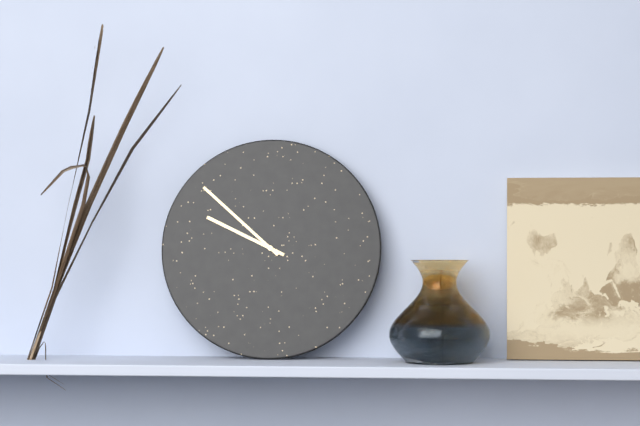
**9:52**
